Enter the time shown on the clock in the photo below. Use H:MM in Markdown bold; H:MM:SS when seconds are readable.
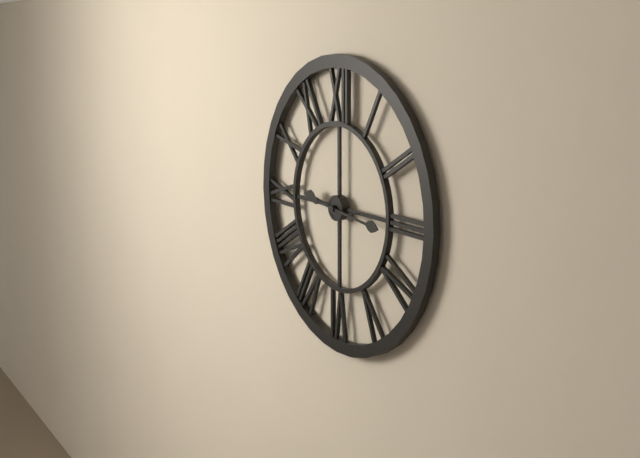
**9:16**
